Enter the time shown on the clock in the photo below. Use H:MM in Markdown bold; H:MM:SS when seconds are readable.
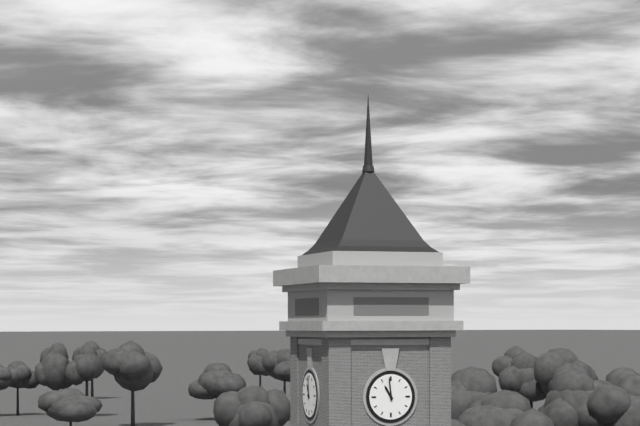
**10:59**
